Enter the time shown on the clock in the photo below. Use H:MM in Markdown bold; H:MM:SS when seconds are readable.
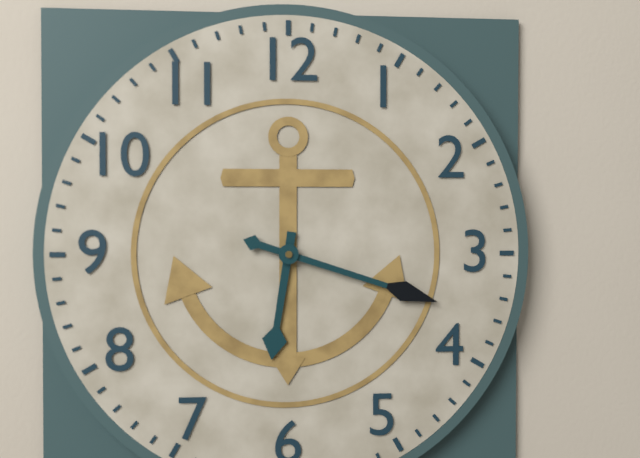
**6:18**
